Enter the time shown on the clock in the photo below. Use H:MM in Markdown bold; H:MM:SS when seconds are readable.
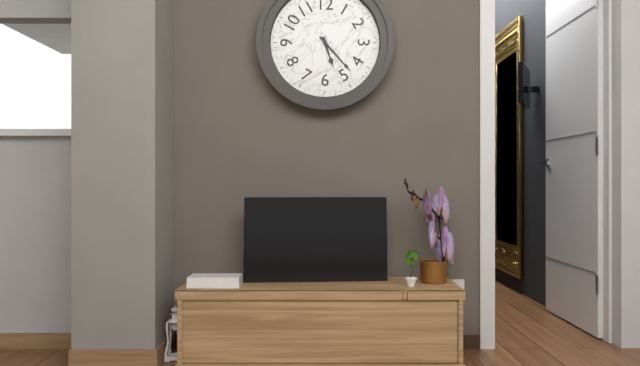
**5:23**
